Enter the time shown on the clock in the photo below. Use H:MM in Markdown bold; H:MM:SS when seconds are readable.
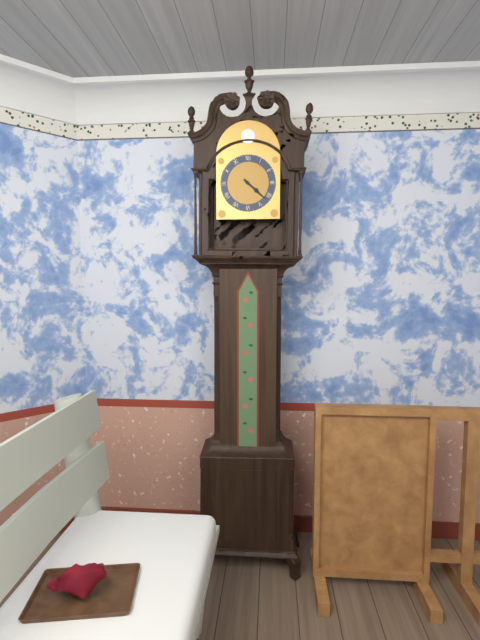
**4:22**
